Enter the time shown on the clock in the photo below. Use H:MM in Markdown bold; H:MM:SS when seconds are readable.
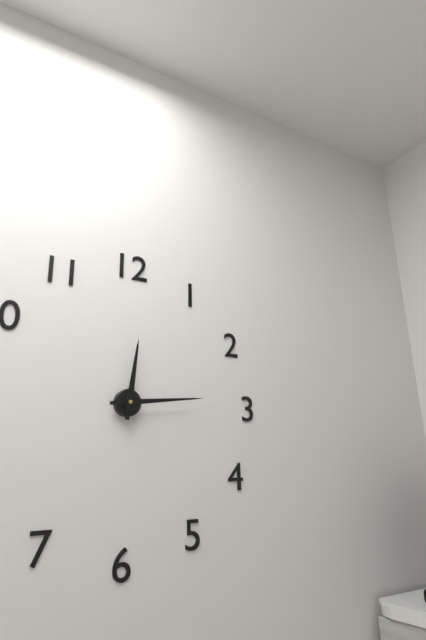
**12:14**
